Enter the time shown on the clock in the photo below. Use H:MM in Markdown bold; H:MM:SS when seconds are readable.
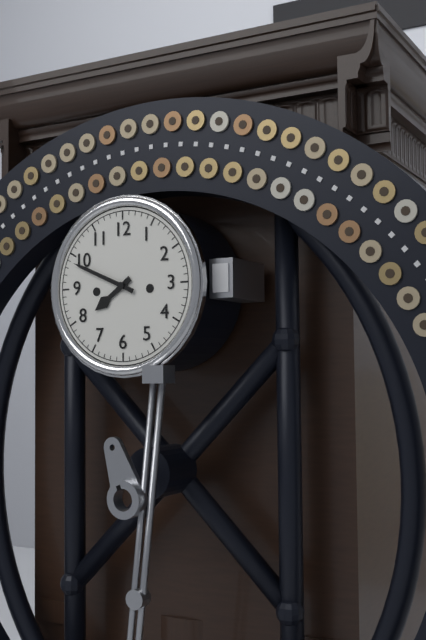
**7:49**
